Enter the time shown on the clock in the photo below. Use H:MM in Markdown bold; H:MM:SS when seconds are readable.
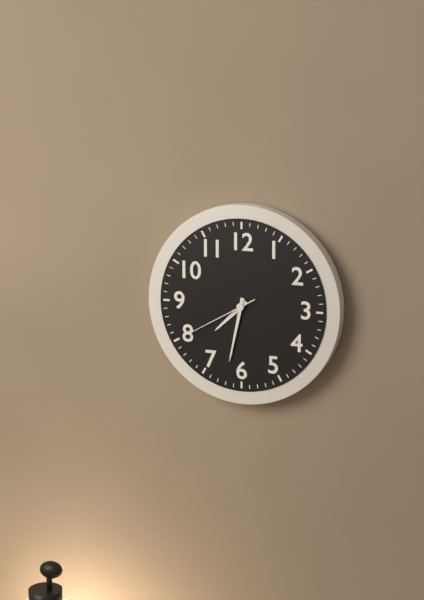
**7:32:40**
